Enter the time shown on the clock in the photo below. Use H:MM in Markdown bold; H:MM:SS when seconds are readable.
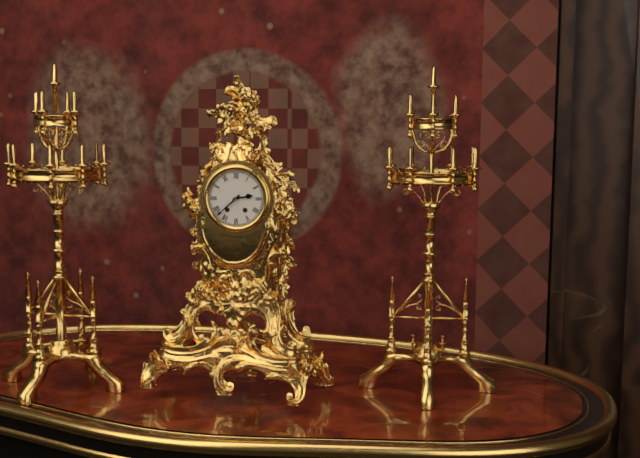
**2:38**
